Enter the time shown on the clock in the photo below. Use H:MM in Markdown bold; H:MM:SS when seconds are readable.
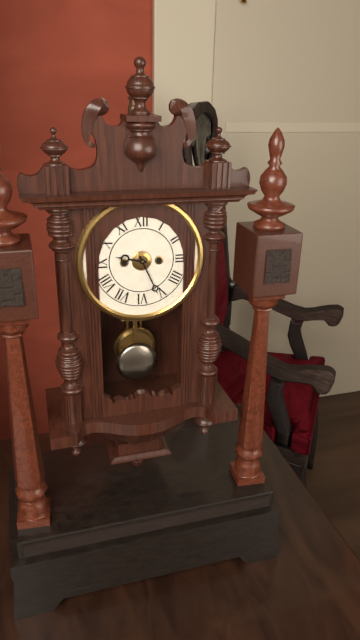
**9:26**
